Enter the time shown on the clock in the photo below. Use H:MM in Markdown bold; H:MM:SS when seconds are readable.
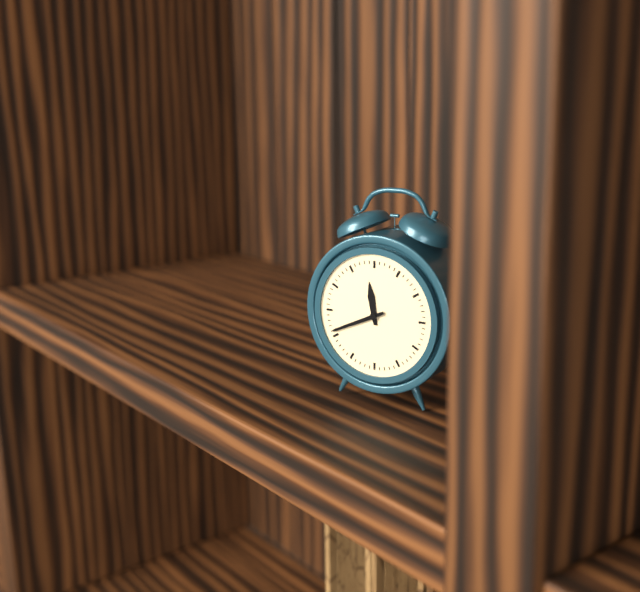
**11:41**
